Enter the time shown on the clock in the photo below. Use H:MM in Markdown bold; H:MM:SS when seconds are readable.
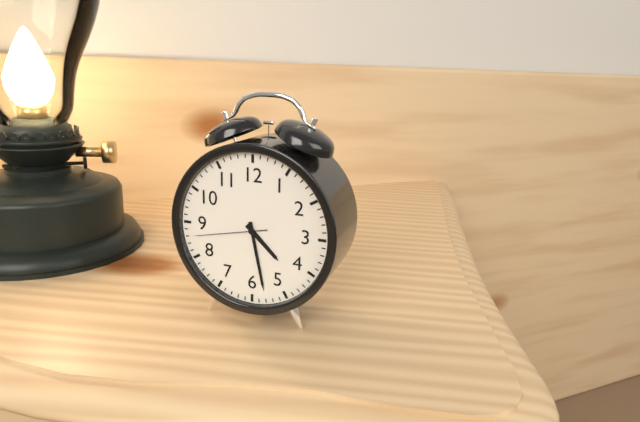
**4:28:43**
